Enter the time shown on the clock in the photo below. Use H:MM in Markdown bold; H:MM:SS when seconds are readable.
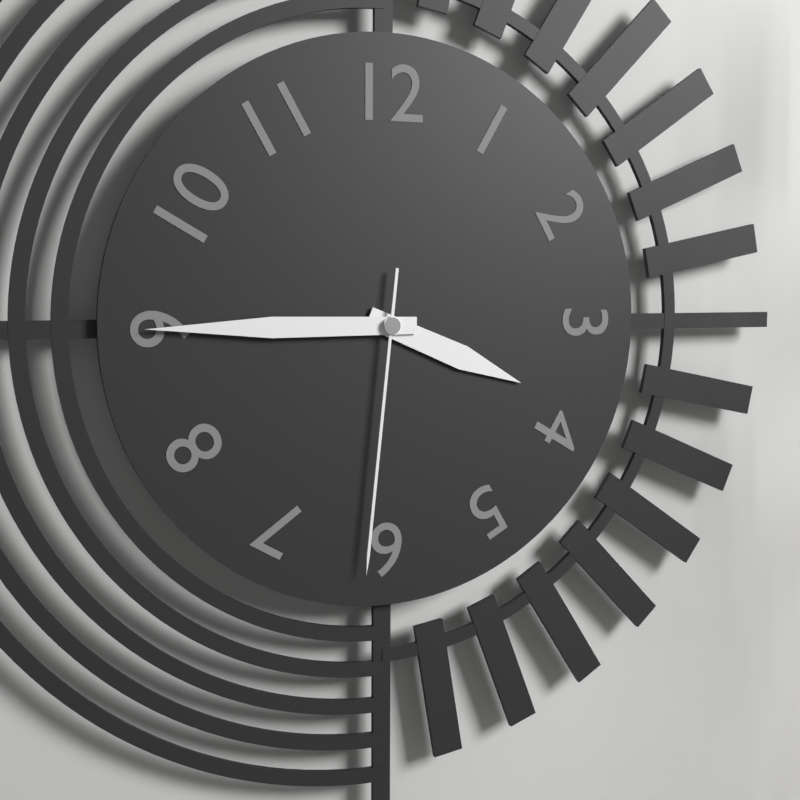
**3:45:31**
